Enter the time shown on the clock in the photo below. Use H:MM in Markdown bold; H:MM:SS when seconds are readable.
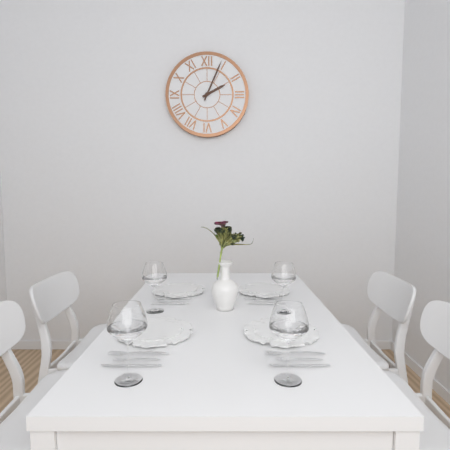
**2:04**
